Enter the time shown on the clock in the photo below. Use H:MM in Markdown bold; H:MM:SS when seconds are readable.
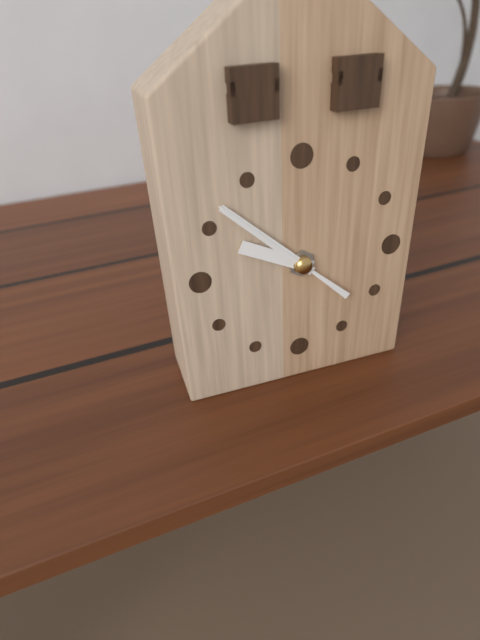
**9:52:52**
